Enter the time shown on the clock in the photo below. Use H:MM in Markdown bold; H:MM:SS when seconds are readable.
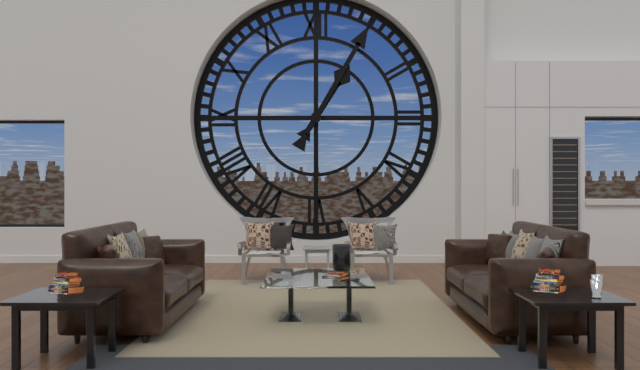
**1:05**
